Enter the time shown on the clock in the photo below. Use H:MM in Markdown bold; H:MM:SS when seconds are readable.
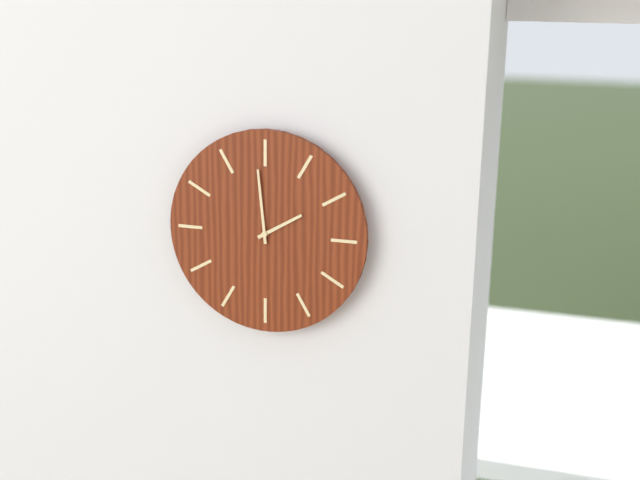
**1:59**
